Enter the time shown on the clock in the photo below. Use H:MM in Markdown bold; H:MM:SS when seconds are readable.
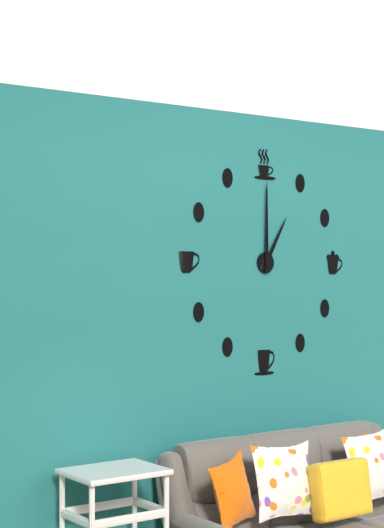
**1:00**
